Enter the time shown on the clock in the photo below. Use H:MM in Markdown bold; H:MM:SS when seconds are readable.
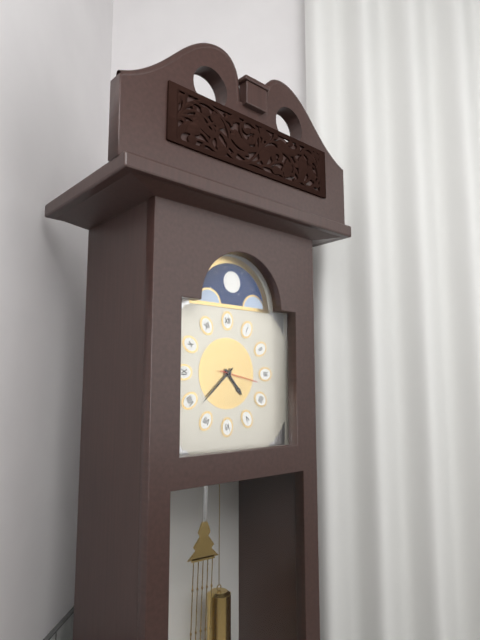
**4:38**
